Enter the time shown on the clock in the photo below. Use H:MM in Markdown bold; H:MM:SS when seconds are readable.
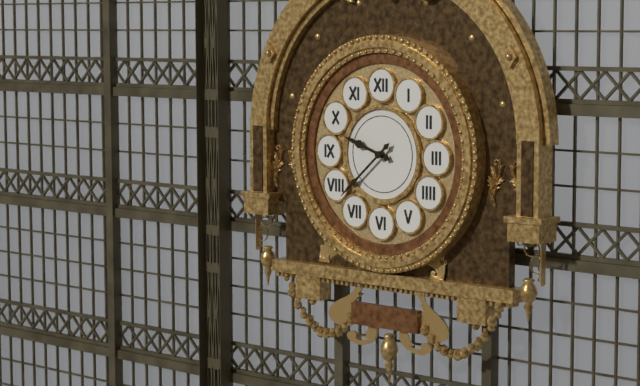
**9:38**
